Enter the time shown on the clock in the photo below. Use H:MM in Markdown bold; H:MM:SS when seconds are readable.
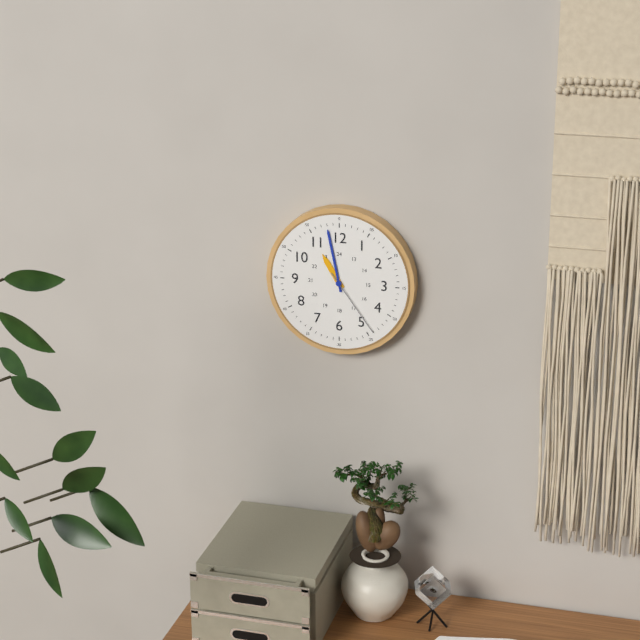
**10:58:24**
